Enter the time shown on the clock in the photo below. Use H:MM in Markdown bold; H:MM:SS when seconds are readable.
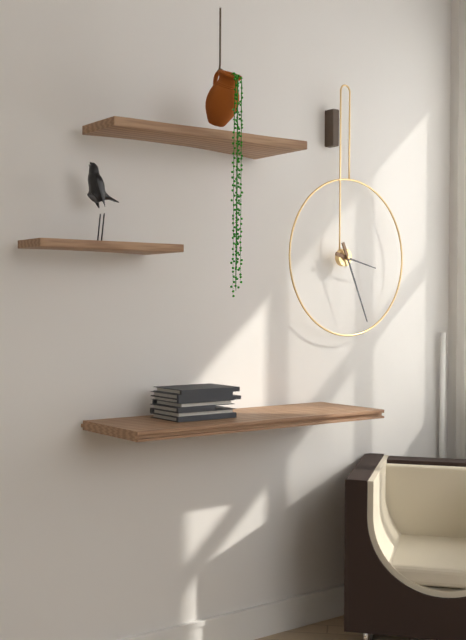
**3:26**
